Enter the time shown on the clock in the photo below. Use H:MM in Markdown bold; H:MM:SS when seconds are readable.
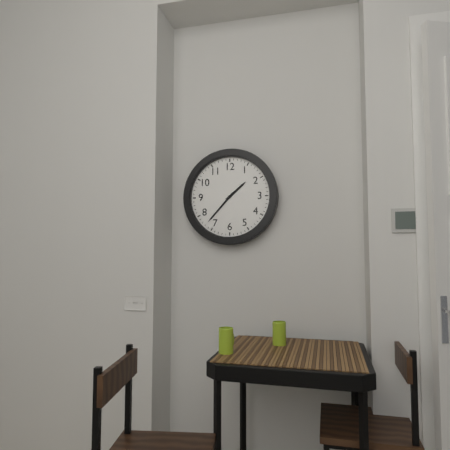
**1:37**
